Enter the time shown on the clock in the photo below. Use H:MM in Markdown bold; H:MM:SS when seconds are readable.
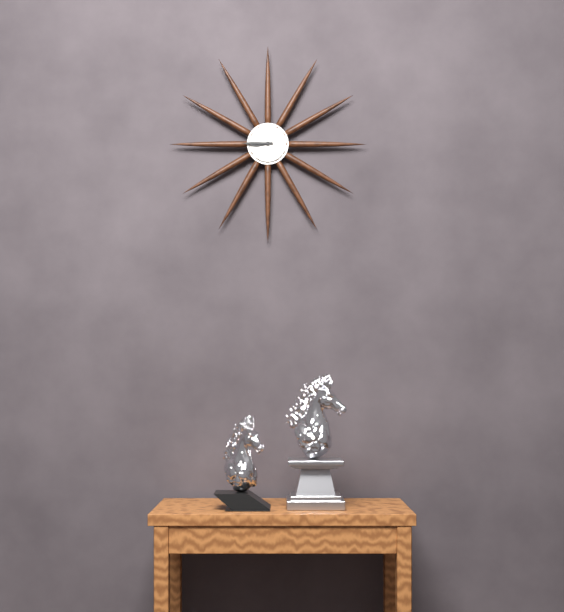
**8:45**
